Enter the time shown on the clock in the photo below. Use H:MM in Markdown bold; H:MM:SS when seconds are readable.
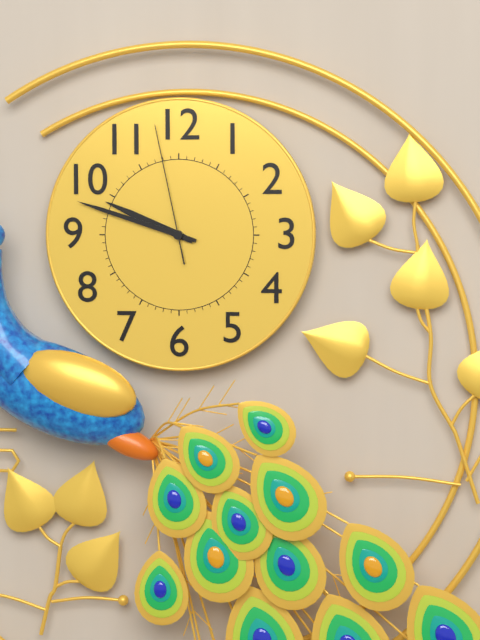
**9:48:58**
